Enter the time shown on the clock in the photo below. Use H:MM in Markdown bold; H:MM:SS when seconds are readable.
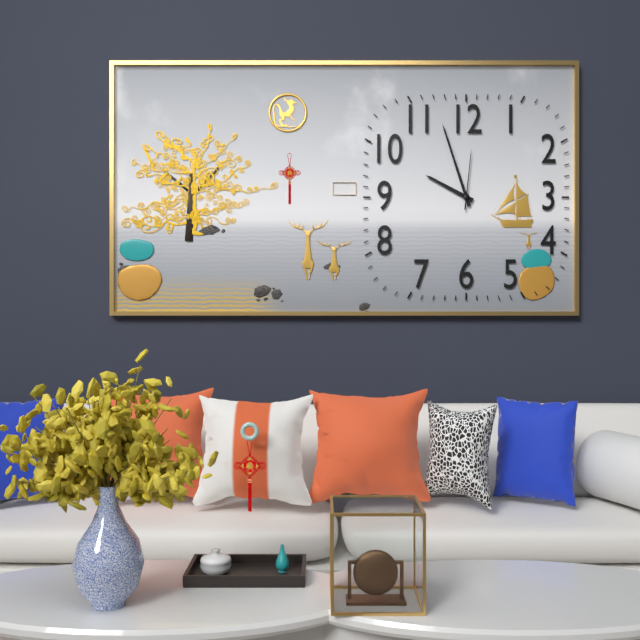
**9:57:01**
